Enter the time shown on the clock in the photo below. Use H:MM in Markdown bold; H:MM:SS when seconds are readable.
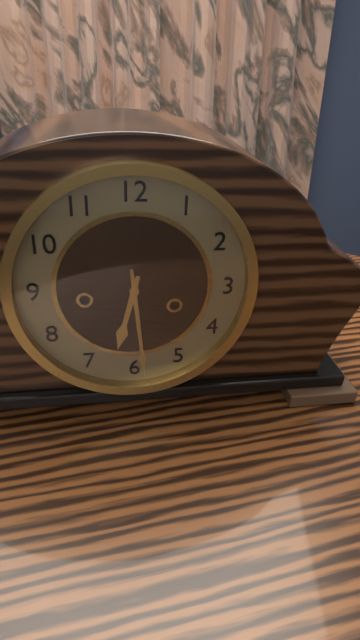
**6:29**
